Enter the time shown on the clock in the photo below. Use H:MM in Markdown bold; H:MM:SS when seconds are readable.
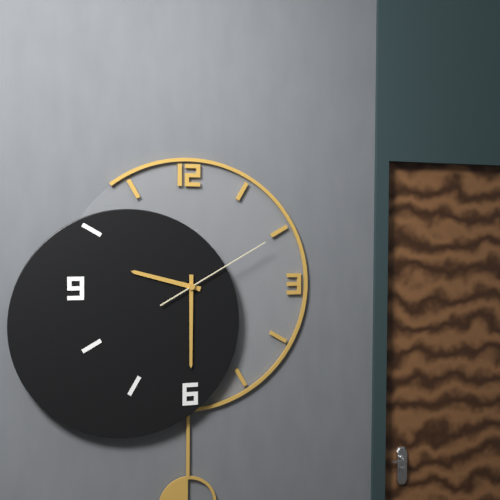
**9:30:10**
